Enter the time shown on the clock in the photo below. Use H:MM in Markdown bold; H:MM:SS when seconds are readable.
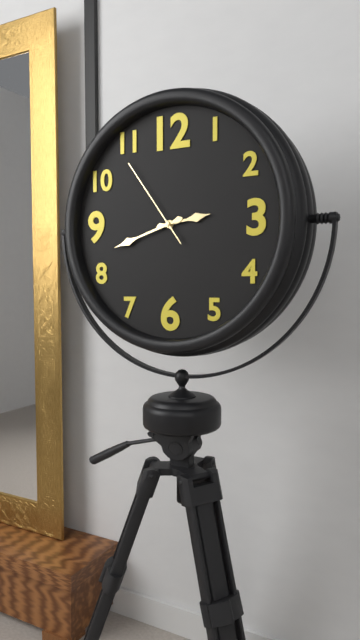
**2:42:54**
